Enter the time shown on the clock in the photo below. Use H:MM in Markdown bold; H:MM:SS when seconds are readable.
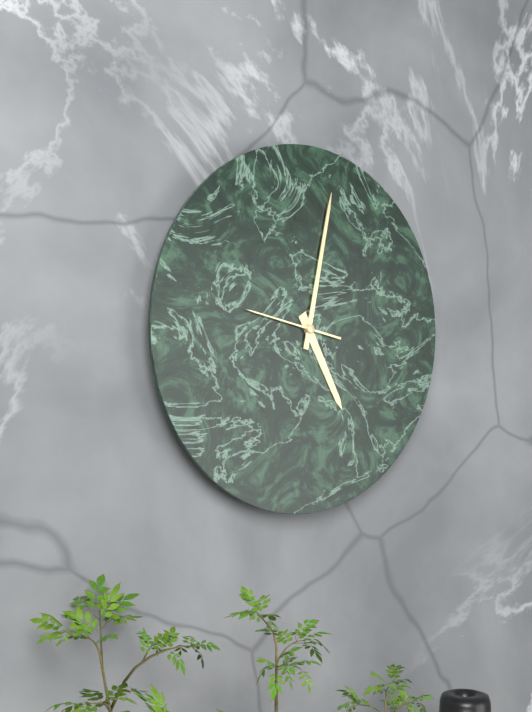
**5:02:47**
